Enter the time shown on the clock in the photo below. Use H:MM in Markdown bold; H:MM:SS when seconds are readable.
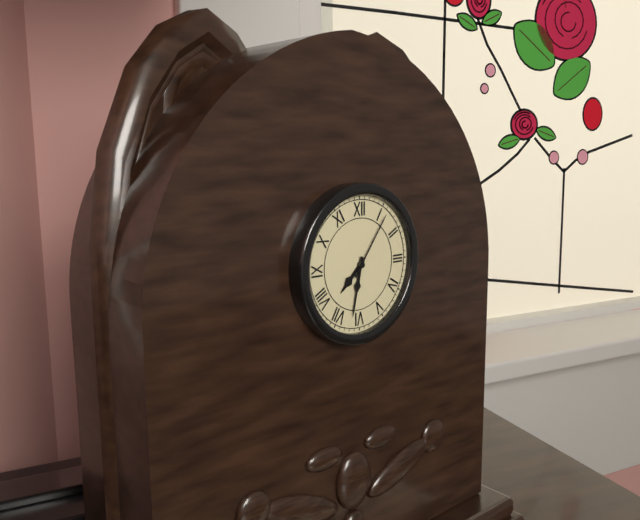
**7:32:06**
